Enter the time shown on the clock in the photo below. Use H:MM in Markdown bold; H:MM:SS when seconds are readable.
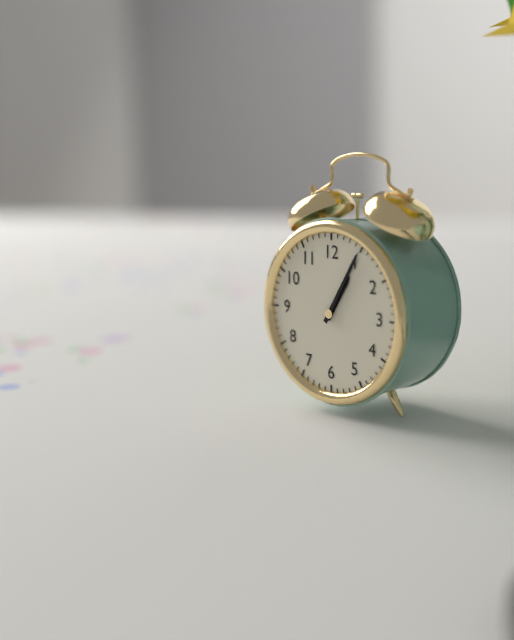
**1:05**
